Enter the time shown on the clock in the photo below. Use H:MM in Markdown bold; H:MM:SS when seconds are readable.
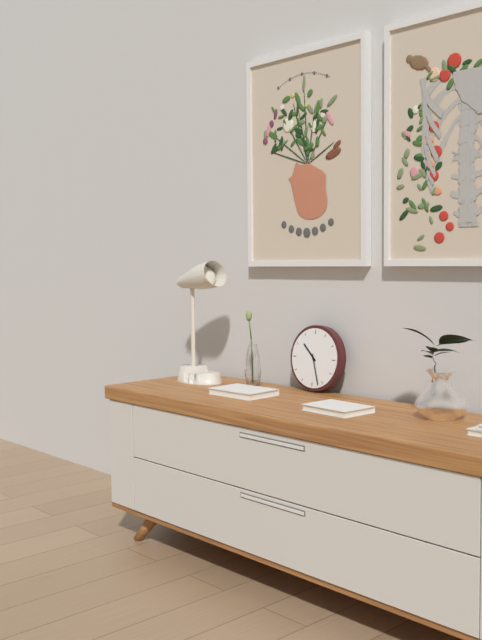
**10:27**
